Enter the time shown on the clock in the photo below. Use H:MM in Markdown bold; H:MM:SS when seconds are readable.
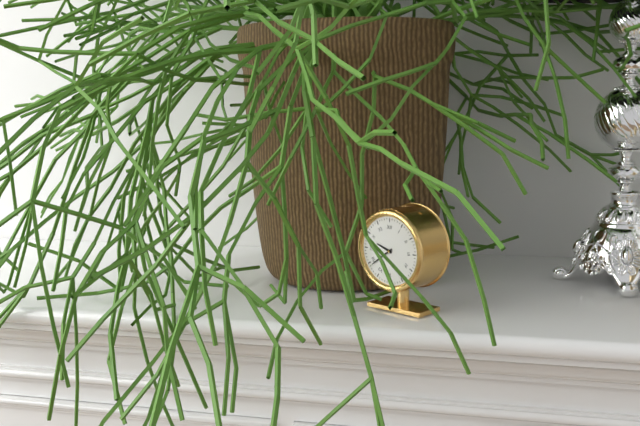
**9:39**
